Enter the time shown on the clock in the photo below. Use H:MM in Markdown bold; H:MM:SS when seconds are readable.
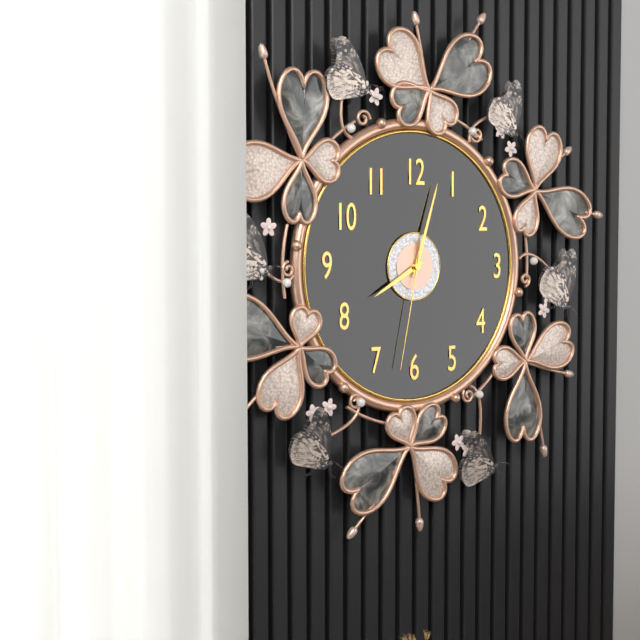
**8:03:32**
